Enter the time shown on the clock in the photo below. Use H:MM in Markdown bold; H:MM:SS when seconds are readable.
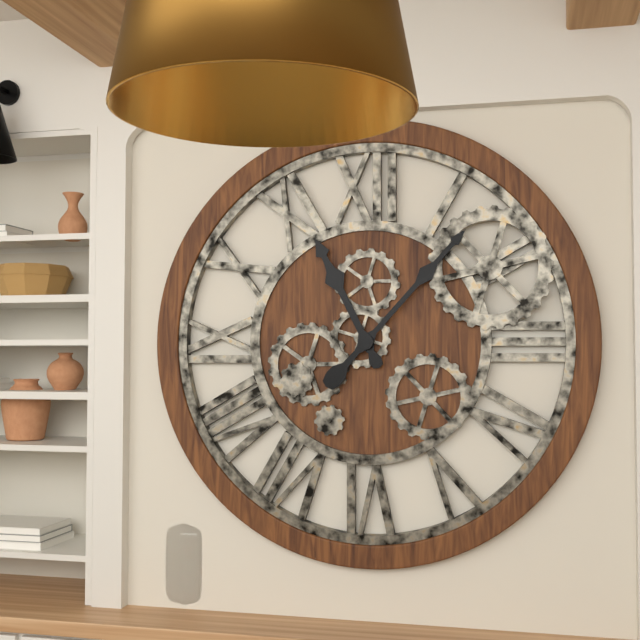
**11:07**
